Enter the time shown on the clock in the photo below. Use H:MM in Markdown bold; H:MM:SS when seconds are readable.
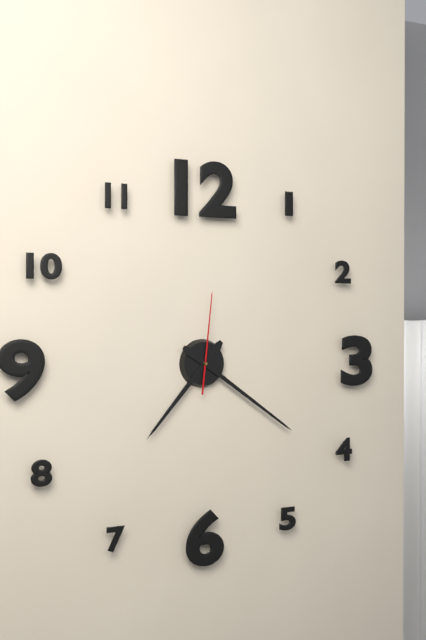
**7:21:01**
